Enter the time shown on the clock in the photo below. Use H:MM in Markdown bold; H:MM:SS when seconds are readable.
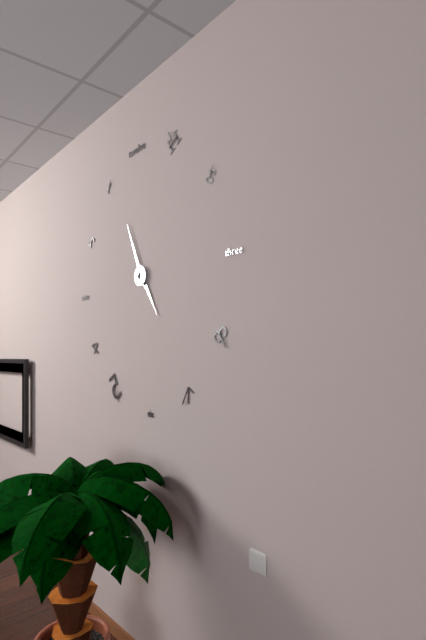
**4:56**
